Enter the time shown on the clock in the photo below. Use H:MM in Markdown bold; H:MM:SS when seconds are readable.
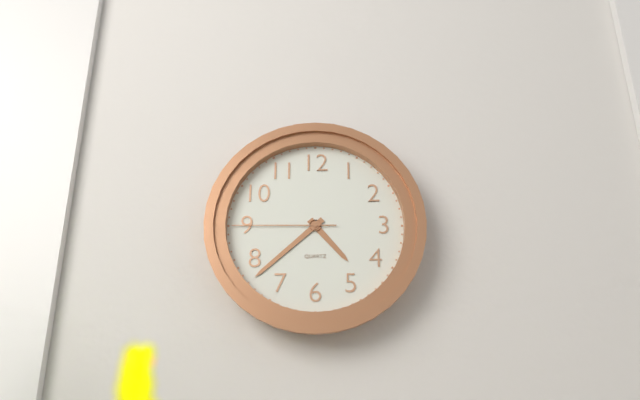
**4:38:45**
